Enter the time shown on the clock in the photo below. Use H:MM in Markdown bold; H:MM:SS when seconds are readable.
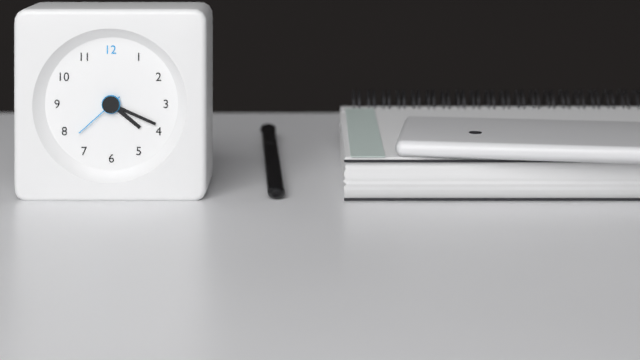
**4:19:38**
